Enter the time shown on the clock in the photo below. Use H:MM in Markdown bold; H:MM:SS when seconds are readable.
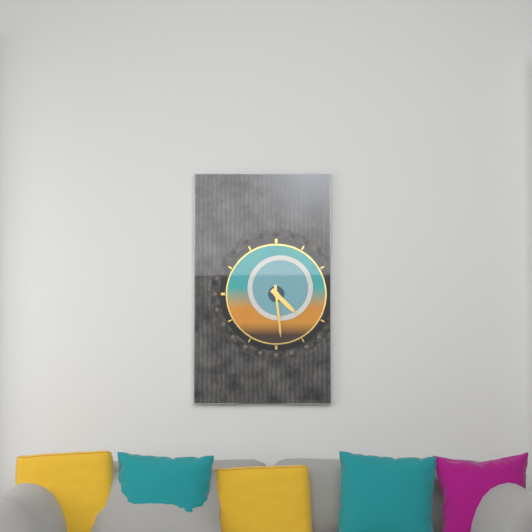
**4:29**
